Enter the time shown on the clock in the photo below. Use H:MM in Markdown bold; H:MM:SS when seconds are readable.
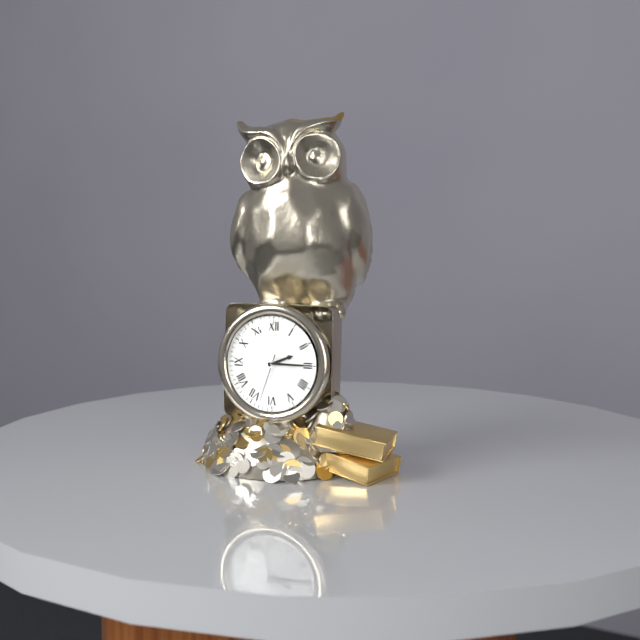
**2:15:33**
